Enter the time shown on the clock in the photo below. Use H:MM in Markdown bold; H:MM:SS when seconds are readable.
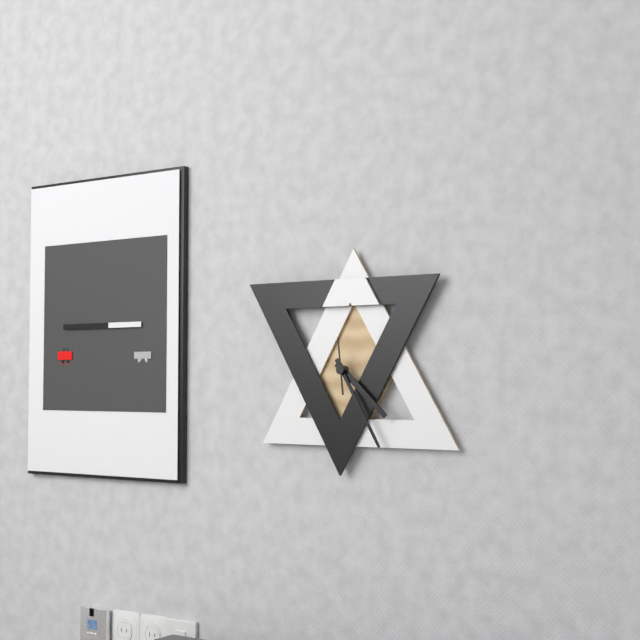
**4:25**
